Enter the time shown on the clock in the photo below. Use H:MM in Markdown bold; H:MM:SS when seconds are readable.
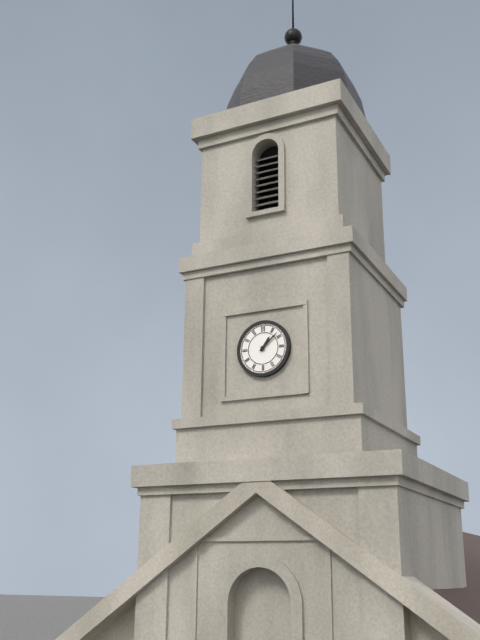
**1:08**
